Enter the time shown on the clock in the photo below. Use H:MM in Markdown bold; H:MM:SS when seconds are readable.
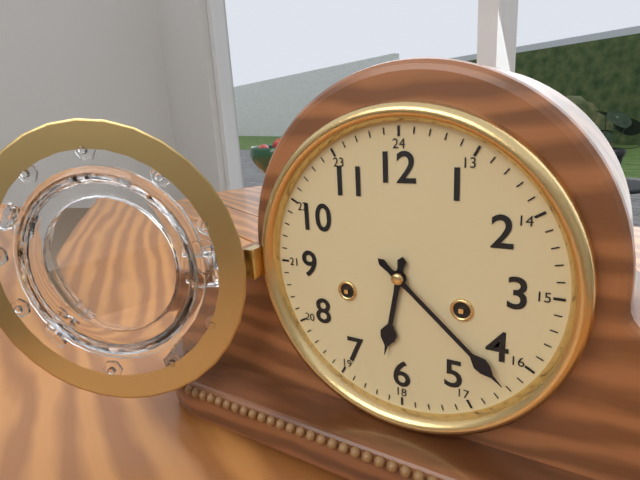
**6:22**
